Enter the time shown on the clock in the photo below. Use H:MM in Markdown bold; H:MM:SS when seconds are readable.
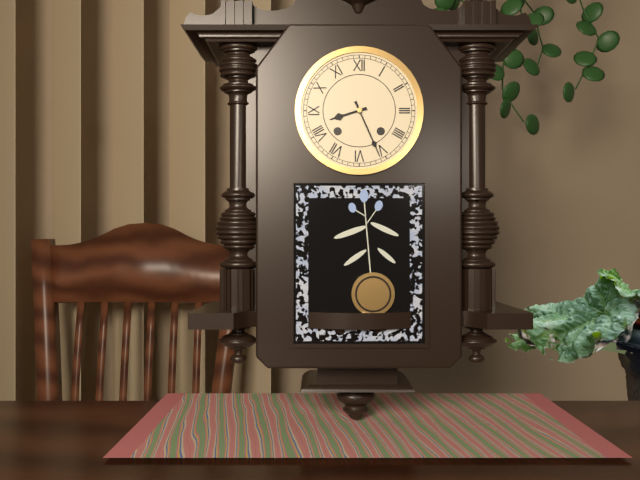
**8:26**
